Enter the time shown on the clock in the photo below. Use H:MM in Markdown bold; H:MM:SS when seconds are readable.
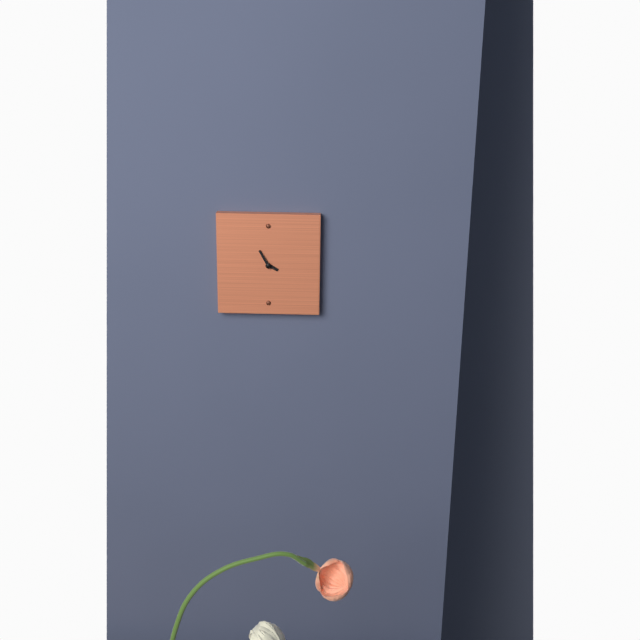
**3:55**
